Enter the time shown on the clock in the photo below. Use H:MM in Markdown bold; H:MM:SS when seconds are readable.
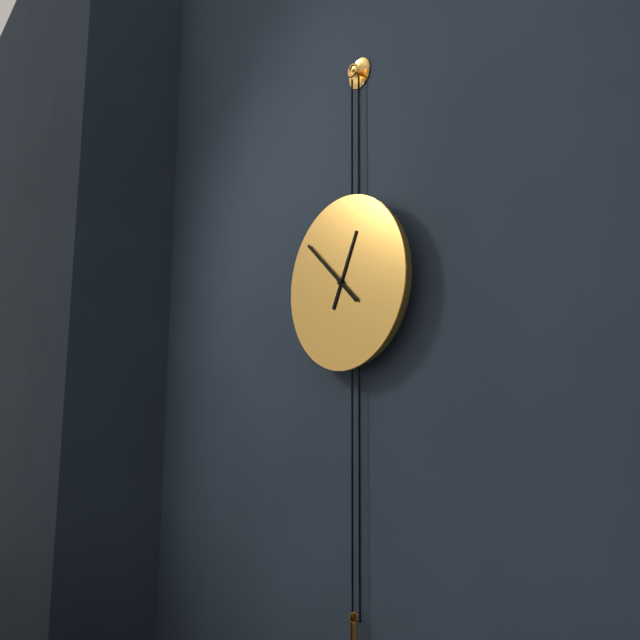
**12:52**
